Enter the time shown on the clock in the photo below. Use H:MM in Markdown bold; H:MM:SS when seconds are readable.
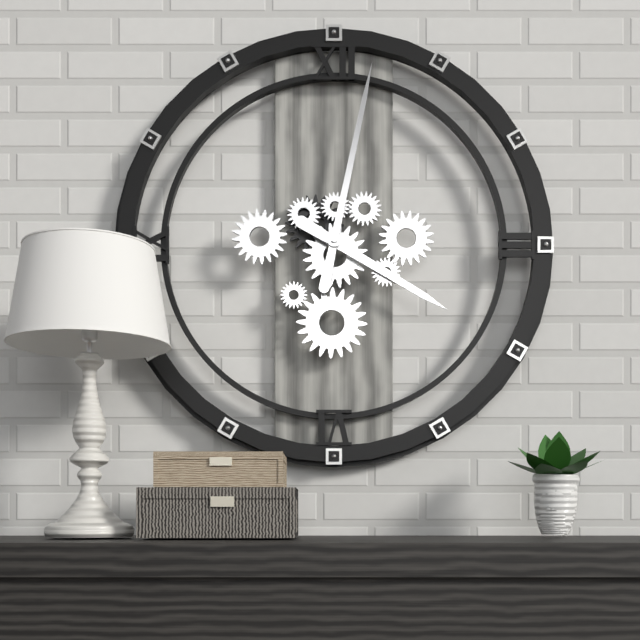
**4:02**
